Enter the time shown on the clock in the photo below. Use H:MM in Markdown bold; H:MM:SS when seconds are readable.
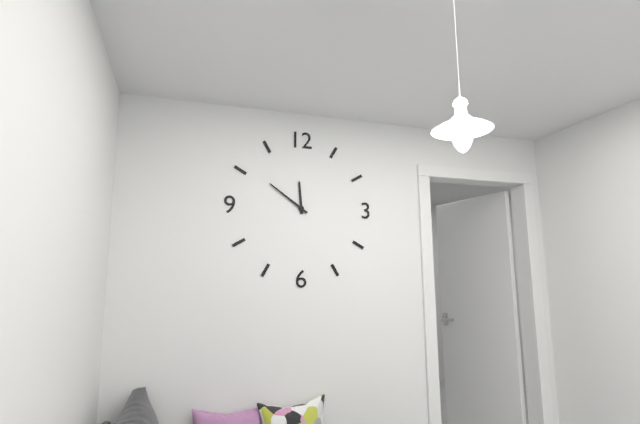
**11:51**
